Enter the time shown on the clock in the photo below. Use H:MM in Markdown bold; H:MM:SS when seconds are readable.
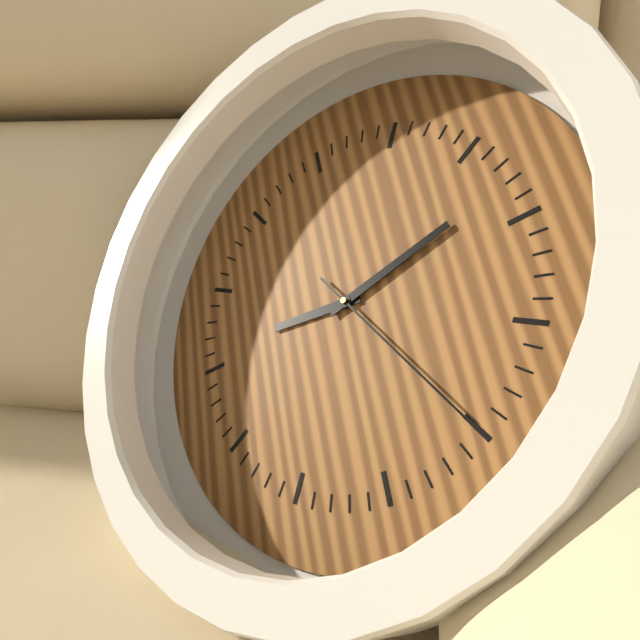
**9:13:25**
